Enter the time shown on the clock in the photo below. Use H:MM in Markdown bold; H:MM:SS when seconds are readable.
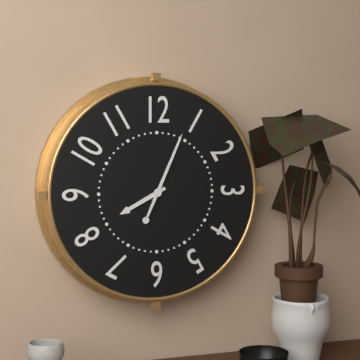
**8:04**
